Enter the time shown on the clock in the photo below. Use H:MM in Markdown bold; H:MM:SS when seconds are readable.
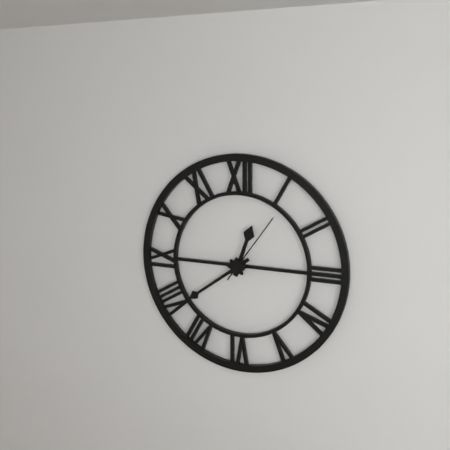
**12:39:06**
